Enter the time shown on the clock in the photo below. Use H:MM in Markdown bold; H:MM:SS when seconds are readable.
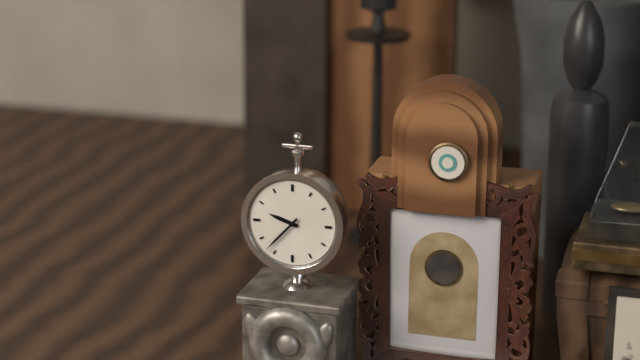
**9:37**
